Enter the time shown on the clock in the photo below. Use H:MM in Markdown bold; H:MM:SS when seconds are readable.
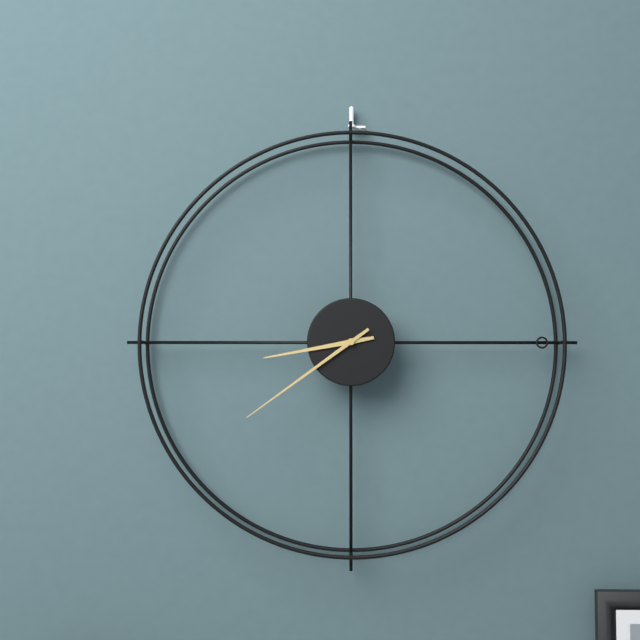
**8:39**
